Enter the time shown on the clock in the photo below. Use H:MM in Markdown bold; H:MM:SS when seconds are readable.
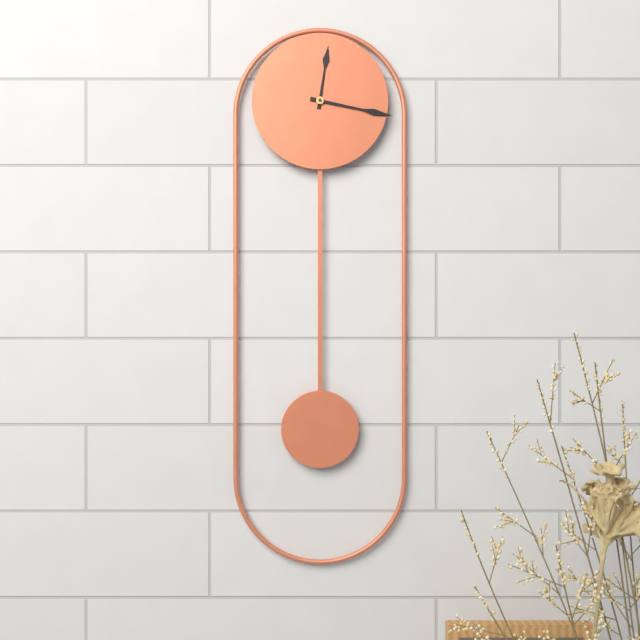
**12:17**
